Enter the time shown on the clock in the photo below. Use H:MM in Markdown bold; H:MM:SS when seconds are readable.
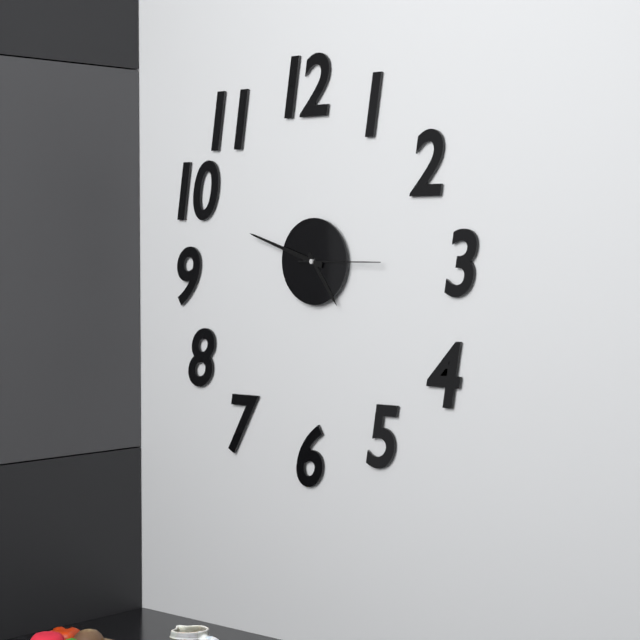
**4:48:15**
